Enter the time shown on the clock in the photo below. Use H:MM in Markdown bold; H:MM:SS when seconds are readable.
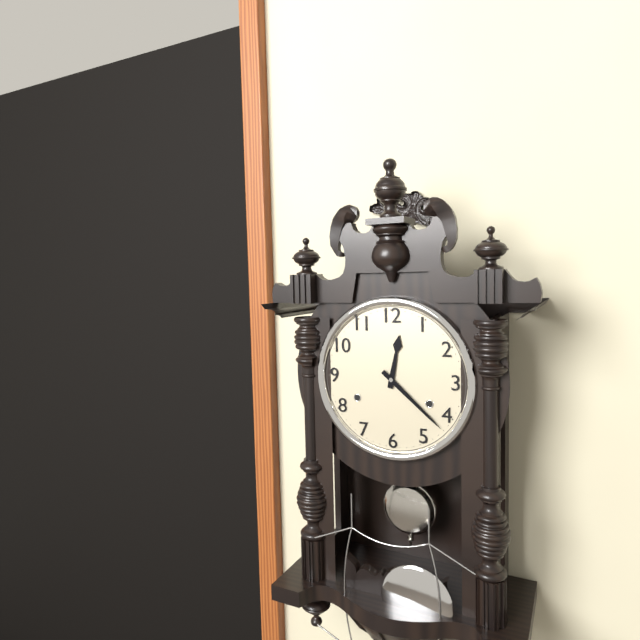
**12:22**
